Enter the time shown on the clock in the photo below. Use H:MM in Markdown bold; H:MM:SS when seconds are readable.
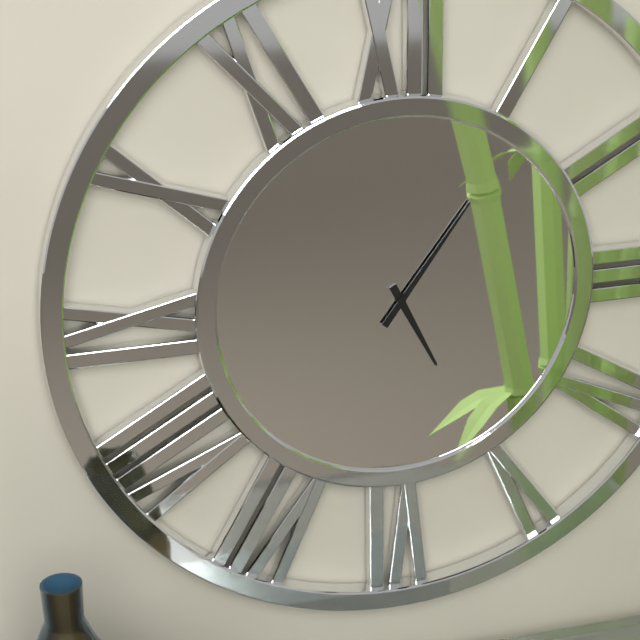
**5:06**
